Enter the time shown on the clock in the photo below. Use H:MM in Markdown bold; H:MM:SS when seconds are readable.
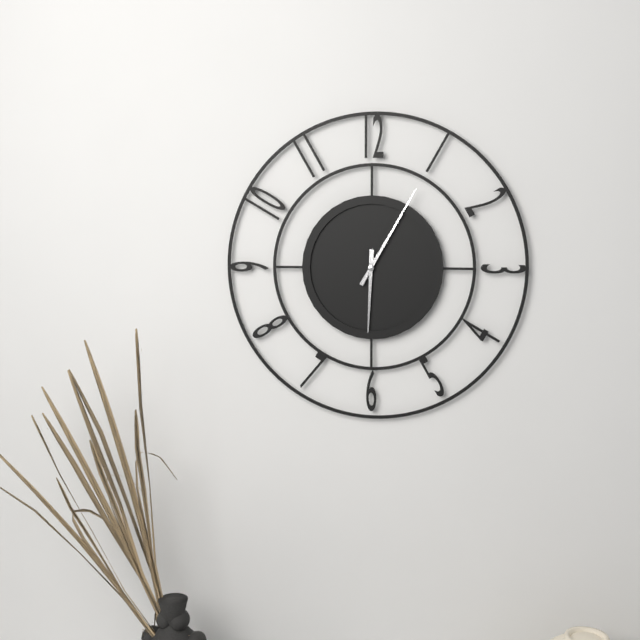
**6:05**
